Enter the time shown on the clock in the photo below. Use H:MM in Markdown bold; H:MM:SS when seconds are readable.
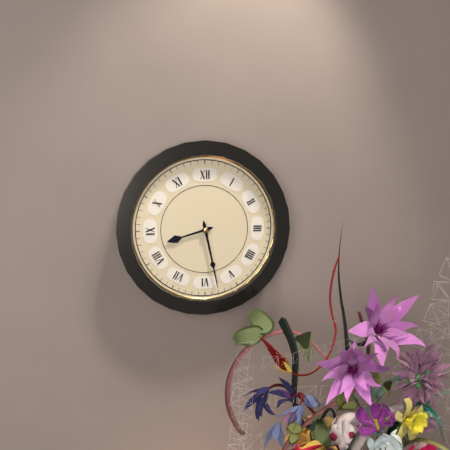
**8:28**
